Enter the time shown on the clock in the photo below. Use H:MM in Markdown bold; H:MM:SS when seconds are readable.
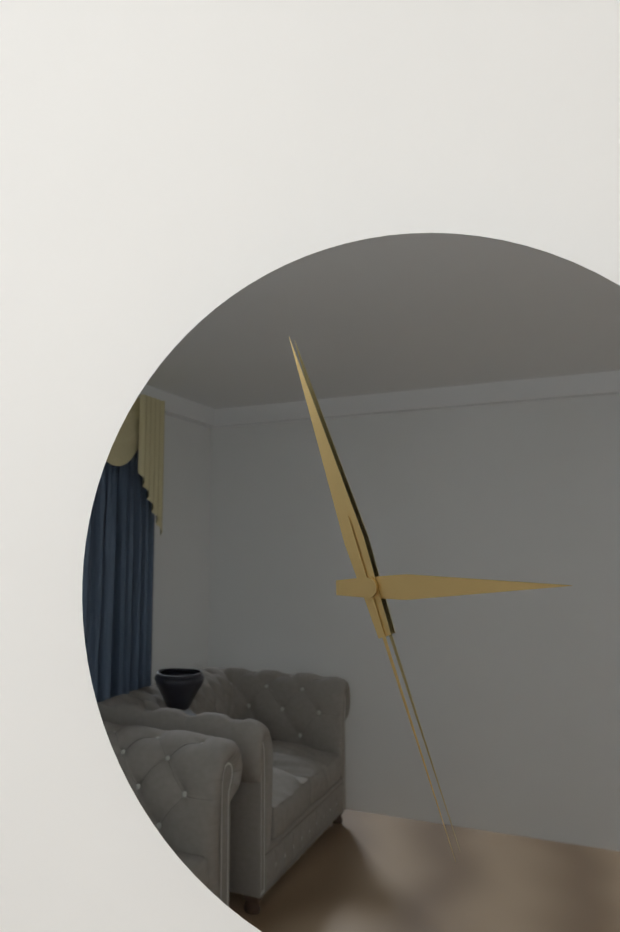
**2:57:27**
